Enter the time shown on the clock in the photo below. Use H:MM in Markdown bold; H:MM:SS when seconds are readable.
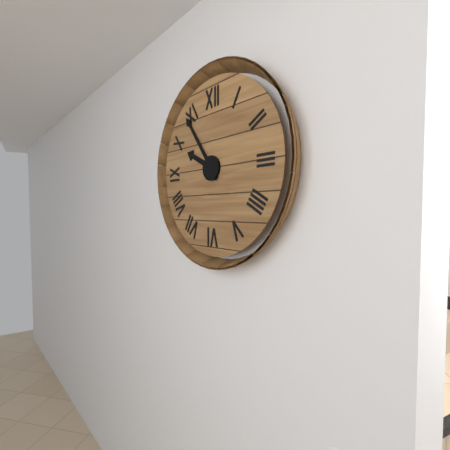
**9:54**
